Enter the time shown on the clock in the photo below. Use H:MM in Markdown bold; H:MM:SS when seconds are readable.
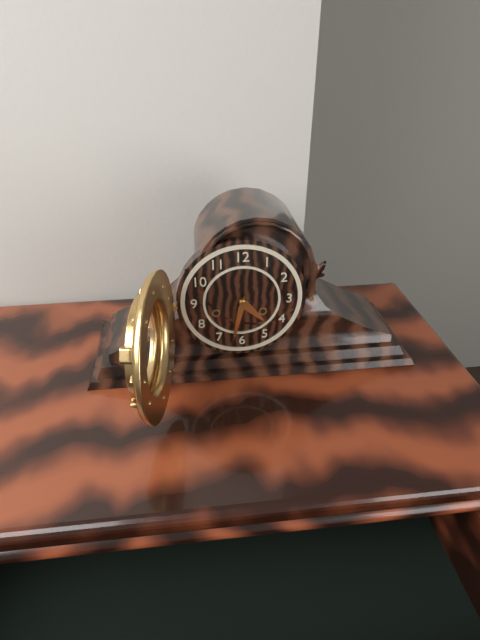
**4:32**
